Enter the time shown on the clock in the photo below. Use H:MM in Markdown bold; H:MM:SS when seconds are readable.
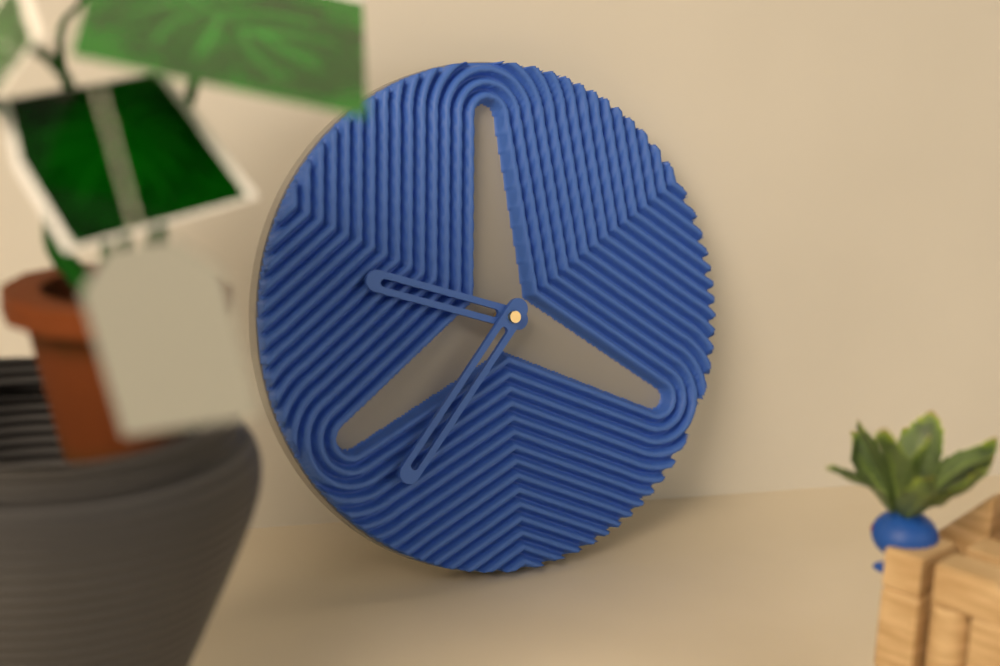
**9:37**
